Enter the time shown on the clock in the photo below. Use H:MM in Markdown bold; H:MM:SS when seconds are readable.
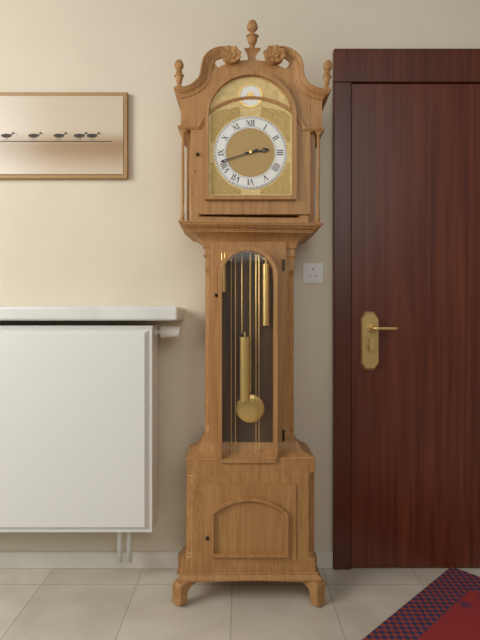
**2:42**
